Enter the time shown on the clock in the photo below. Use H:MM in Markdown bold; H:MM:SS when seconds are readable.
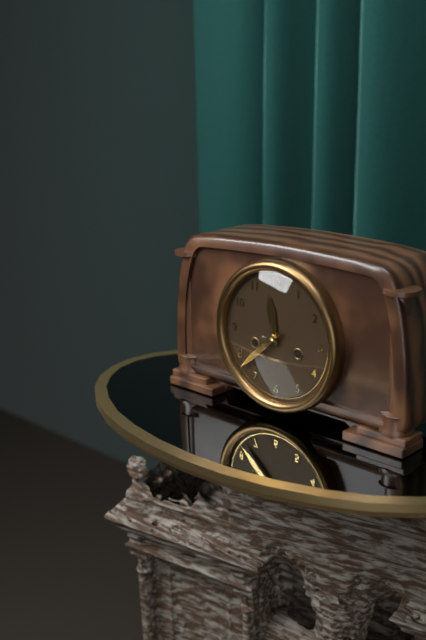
**11:38**
